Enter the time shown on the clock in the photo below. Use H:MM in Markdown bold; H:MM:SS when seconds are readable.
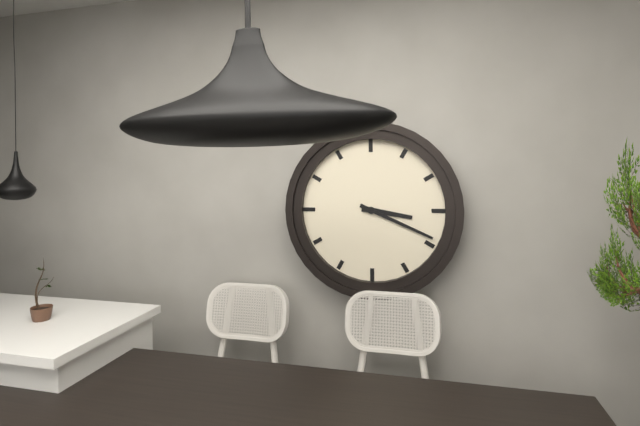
**3:19**
